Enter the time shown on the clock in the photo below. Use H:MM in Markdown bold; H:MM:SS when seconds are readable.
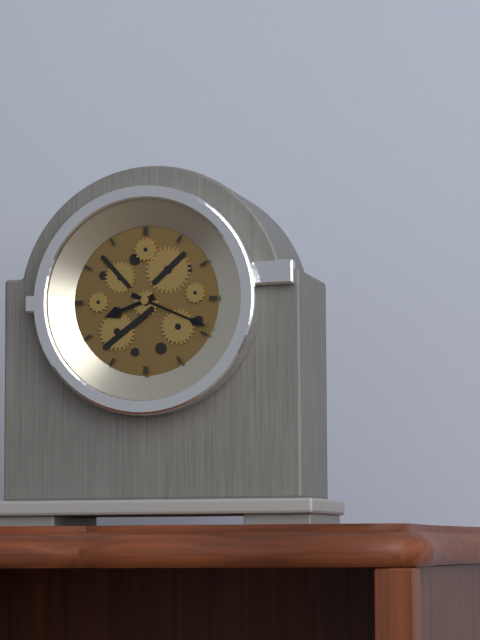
**8:19**
